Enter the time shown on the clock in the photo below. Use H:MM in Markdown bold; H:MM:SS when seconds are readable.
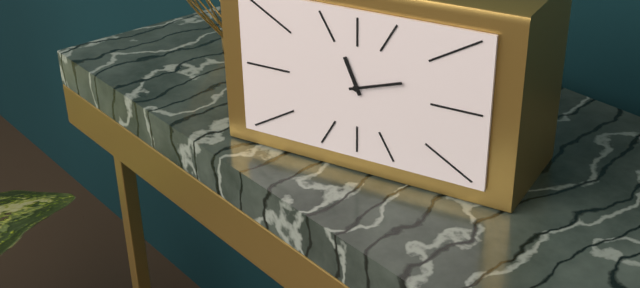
**11:12**
